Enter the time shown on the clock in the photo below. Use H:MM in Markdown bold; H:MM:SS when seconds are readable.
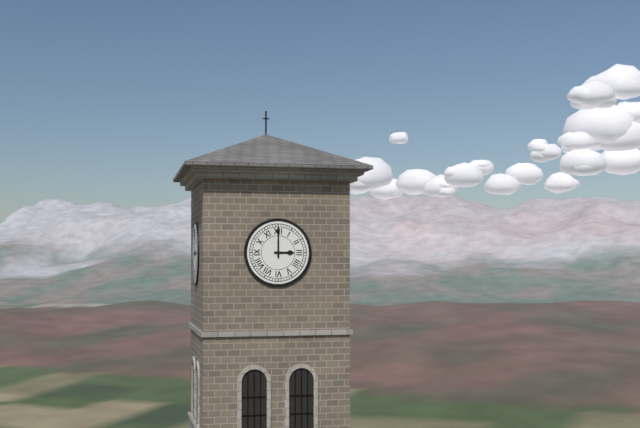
**3:00**
